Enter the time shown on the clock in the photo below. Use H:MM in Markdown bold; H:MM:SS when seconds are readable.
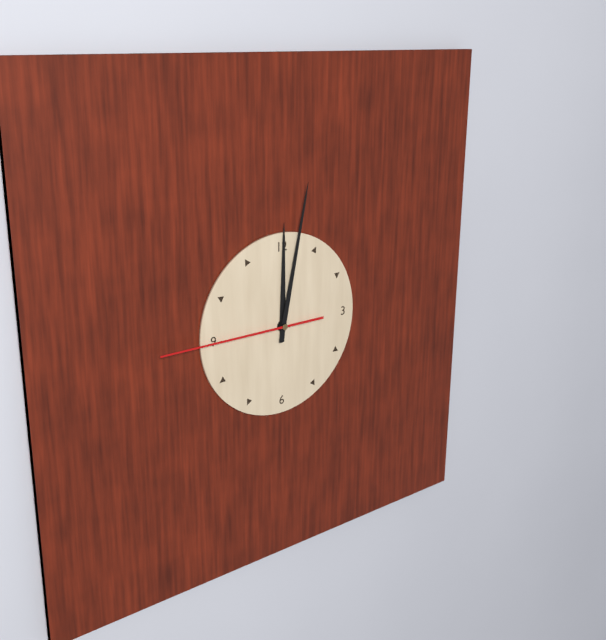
**12:02:45**
